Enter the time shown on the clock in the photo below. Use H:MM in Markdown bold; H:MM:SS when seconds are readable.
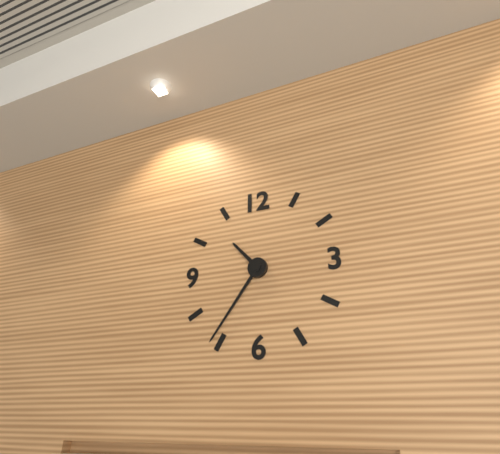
**10:36**
